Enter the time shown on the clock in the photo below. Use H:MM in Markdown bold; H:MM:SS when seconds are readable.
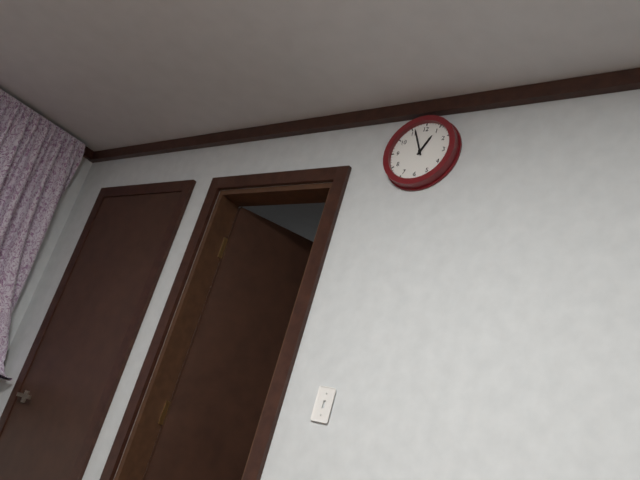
**12:56**
